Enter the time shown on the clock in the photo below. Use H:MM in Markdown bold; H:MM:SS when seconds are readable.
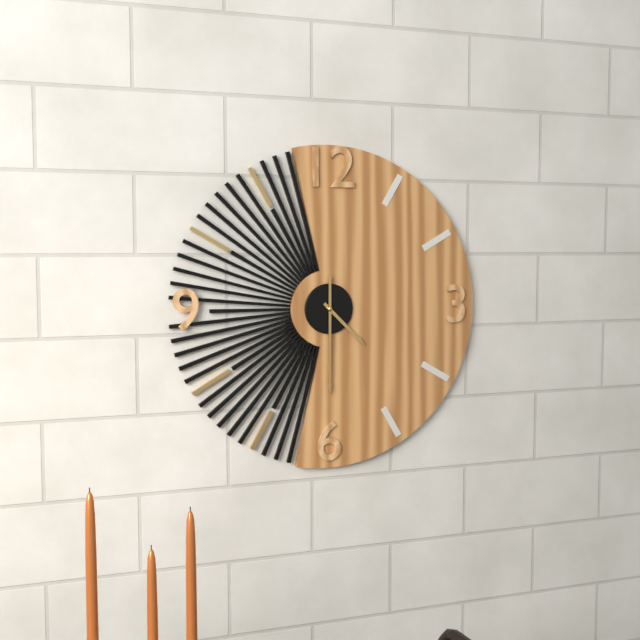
**4:30**
